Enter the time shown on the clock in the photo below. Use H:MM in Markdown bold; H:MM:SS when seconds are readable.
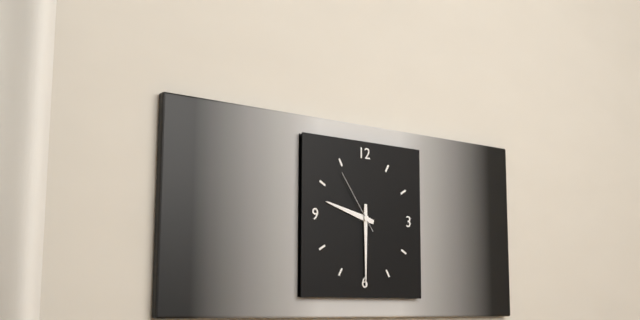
**9:30:54**
